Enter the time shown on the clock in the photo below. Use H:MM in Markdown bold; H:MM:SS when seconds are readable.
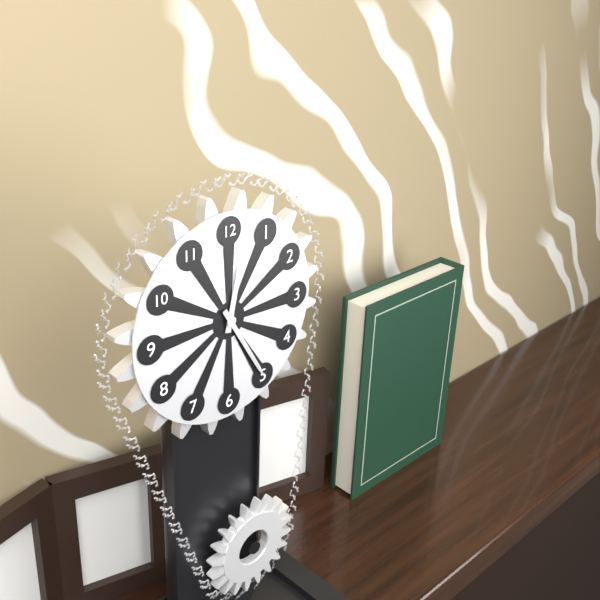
**12:25**
